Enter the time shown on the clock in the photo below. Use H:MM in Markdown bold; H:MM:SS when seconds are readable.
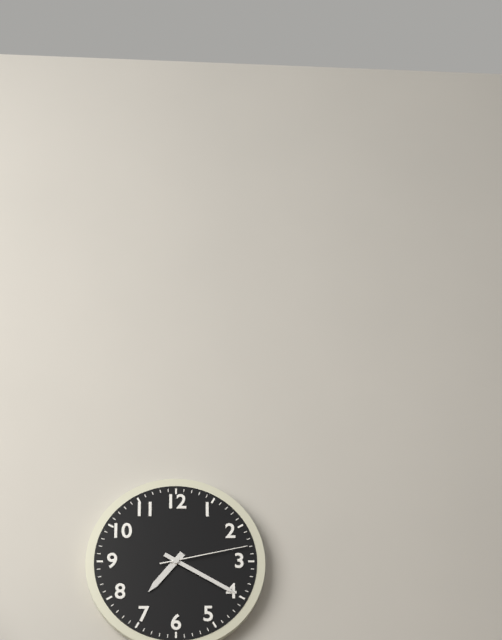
**7:20:13**
